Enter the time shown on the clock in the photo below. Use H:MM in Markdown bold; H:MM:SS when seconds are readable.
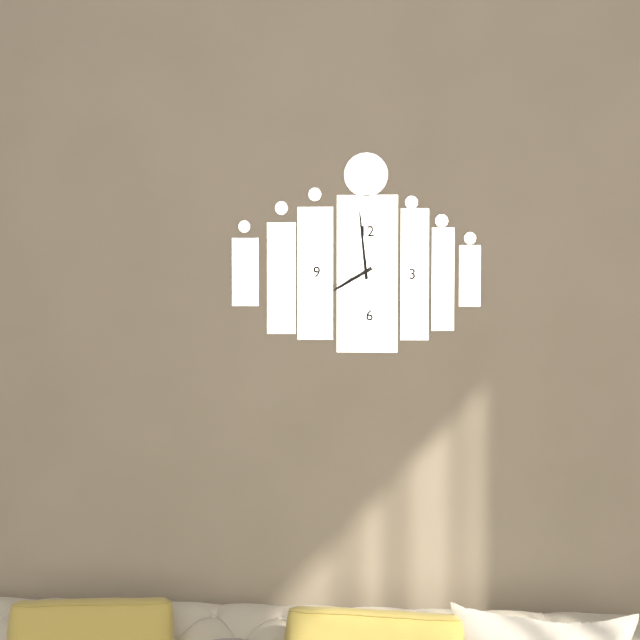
**7:59:41**
